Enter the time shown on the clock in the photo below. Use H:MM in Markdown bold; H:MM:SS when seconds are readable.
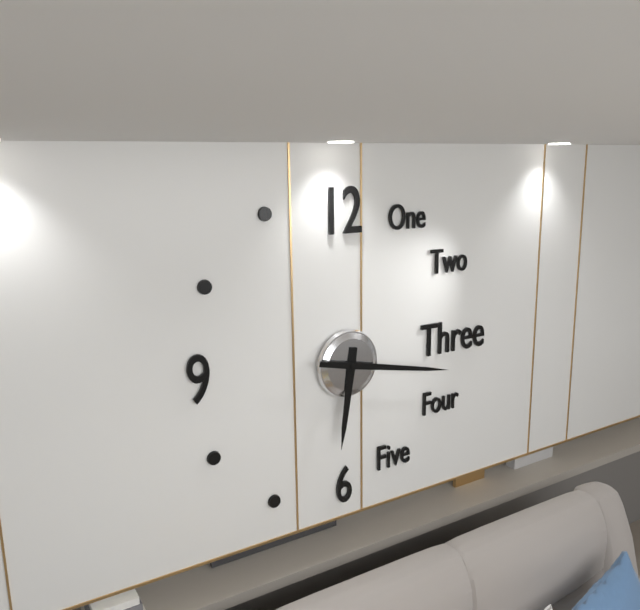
**6:17**
